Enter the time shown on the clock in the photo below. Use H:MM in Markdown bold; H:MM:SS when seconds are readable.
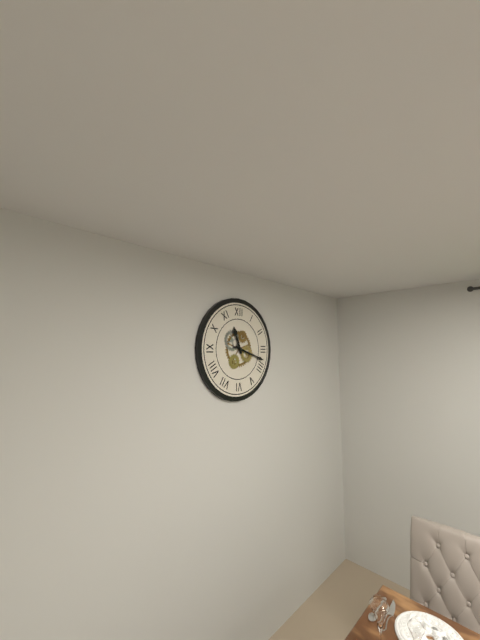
**11:18**
